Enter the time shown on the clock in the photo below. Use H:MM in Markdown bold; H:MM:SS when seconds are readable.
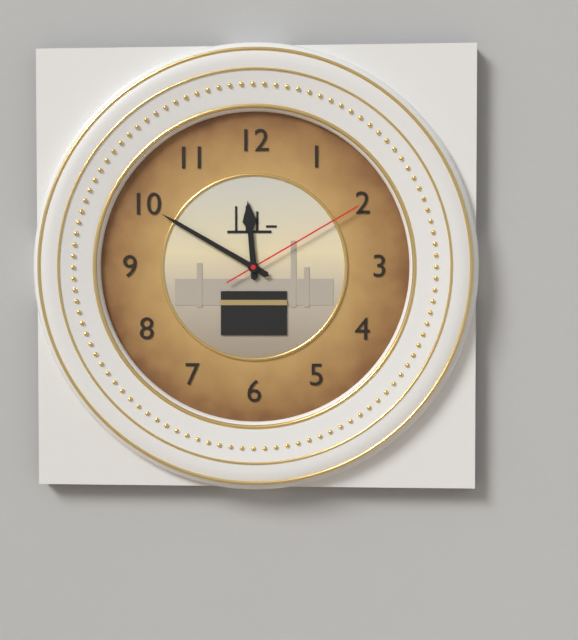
**11:50:10**
